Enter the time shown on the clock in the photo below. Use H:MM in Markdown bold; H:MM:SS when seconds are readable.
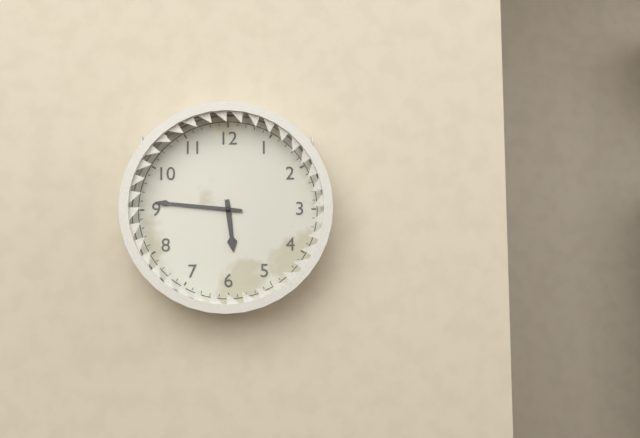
**5:46**
